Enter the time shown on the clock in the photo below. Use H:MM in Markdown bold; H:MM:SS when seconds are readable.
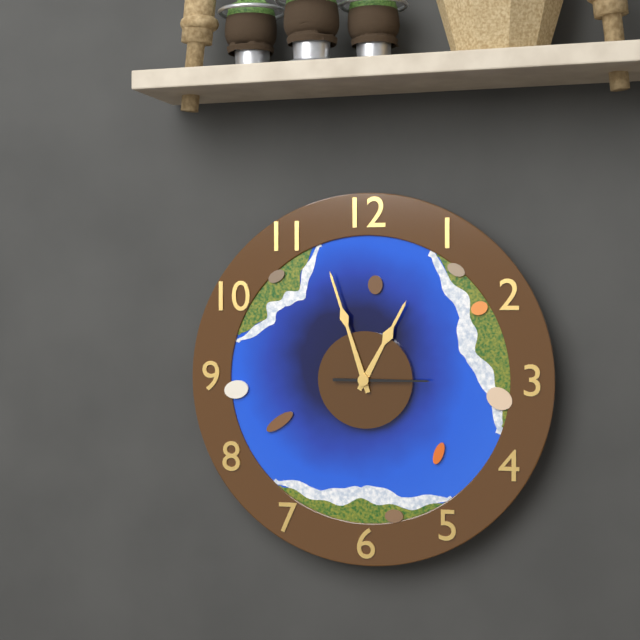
**12:57:15**
